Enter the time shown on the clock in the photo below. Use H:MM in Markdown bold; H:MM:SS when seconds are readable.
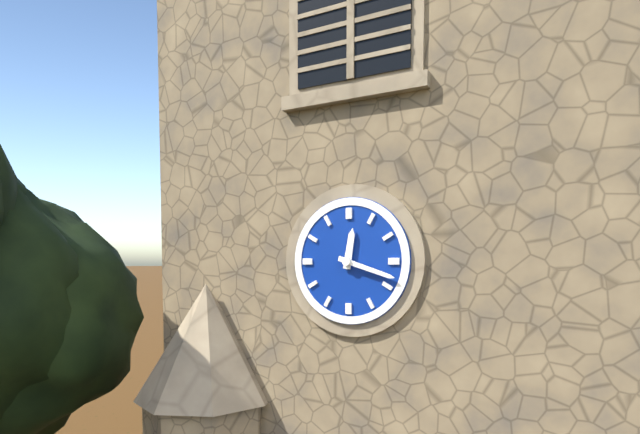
**12:18**
